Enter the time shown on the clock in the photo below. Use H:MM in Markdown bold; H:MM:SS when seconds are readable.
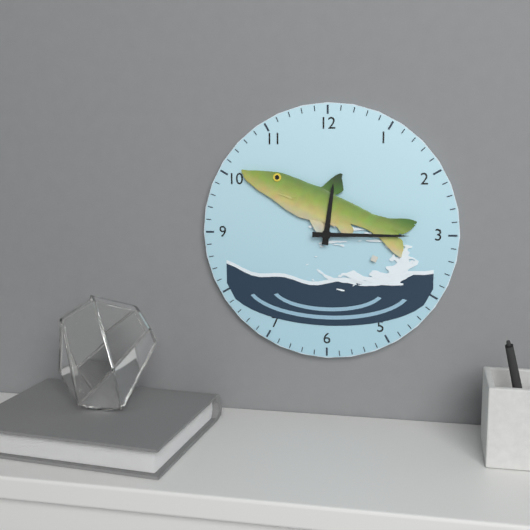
**12:15**
